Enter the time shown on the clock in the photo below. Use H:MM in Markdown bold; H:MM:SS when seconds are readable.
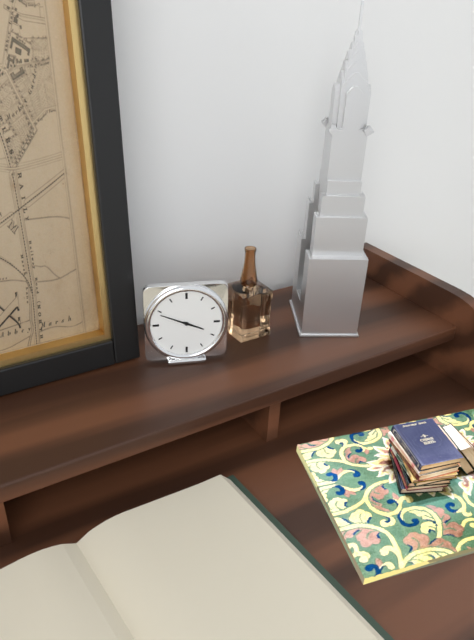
**3:49**
